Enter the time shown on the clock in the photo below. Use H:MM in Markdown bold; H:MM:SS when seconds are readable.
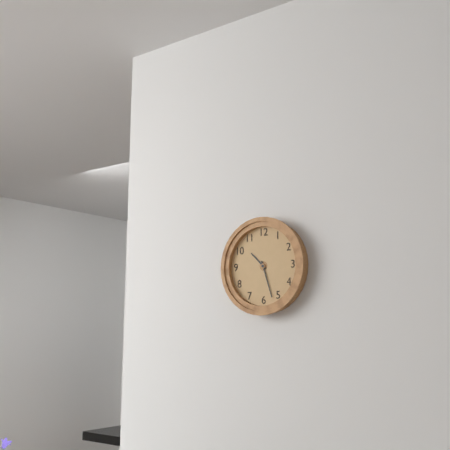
**10:27**
